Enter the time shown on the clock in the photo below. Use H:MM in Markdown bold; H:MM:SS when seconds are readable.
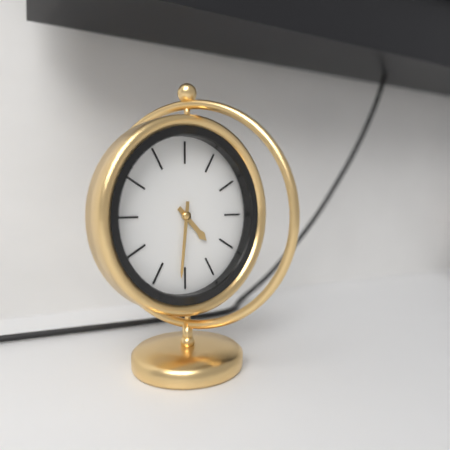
**4:31**
